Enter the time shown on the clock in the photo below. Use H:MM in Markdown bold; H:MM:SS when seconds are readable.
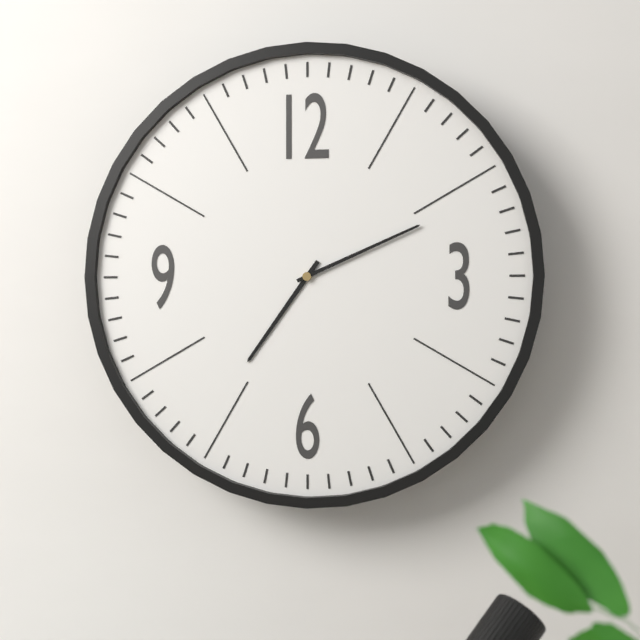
**7:11**
